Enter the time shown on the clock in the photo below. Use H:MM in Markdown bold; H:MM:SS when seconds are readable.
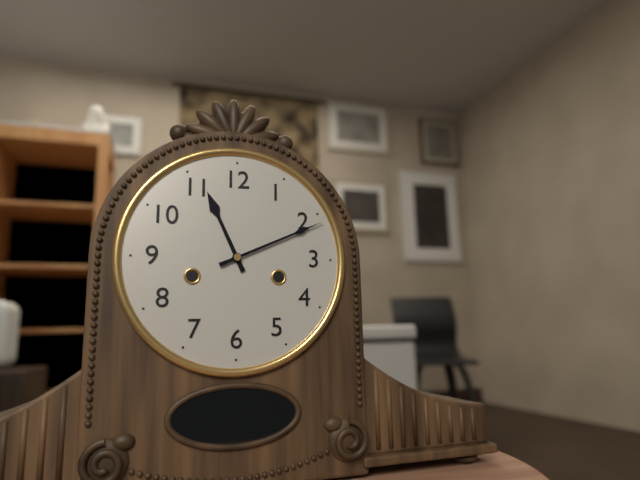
**11:11**
